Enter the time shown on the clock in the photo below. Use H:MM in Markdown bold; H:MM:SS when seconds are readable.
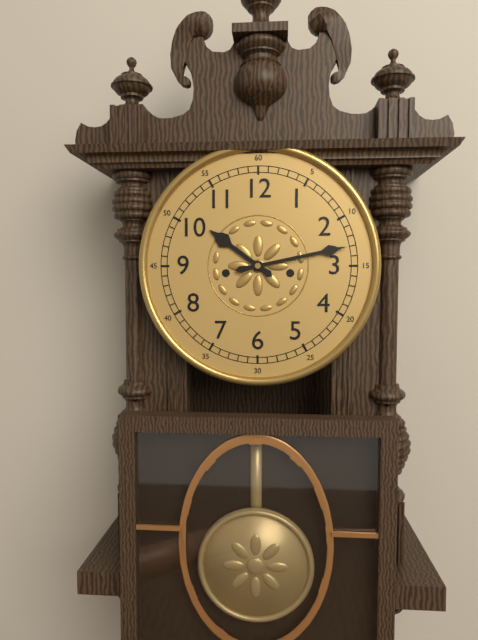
**10:13**
